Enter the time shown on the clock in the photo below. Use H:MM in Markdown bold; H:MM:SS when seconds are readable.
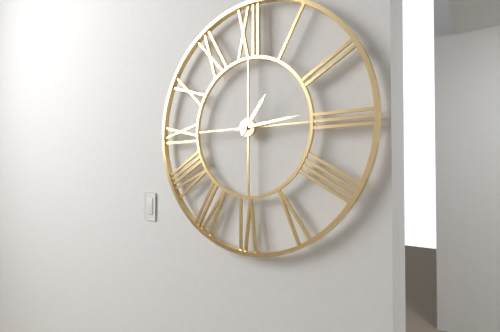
**1:14**
